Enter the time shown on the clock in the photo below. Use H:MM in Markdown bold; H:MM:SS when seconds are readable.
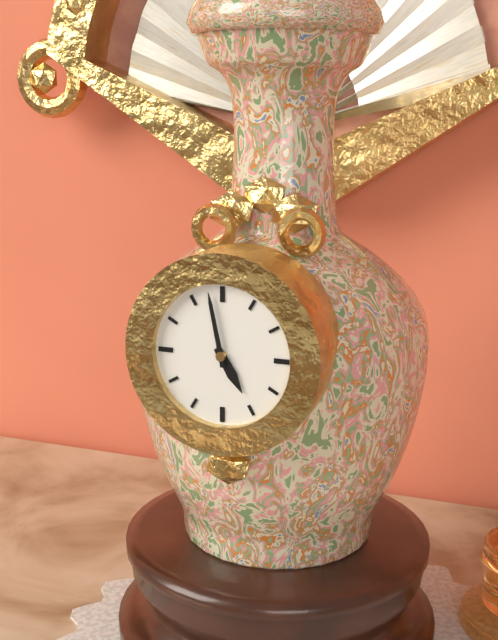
**4:58**
